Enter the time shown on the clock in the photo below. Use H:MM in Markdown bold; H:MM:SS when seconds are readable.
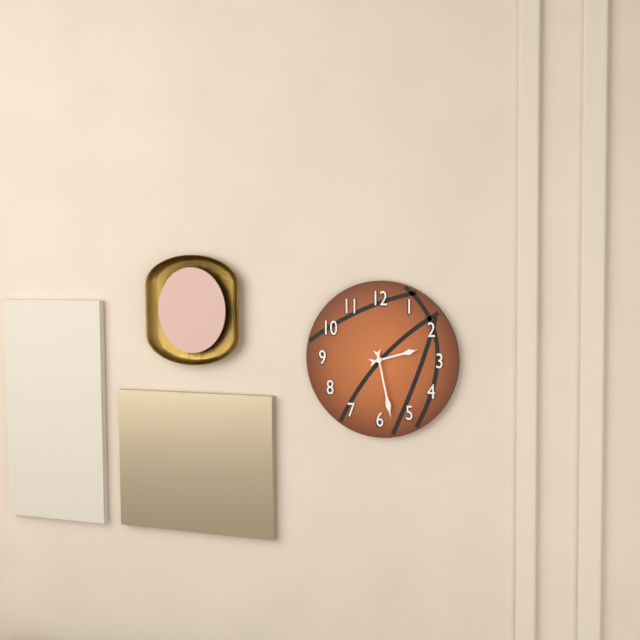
**2:28**
